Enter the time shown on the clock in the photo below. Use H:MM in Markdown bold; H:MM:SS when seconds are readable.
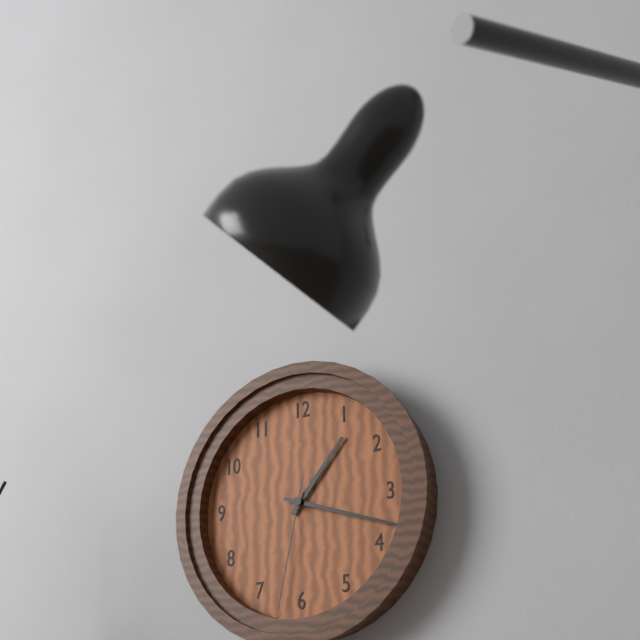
**1:18:32**
